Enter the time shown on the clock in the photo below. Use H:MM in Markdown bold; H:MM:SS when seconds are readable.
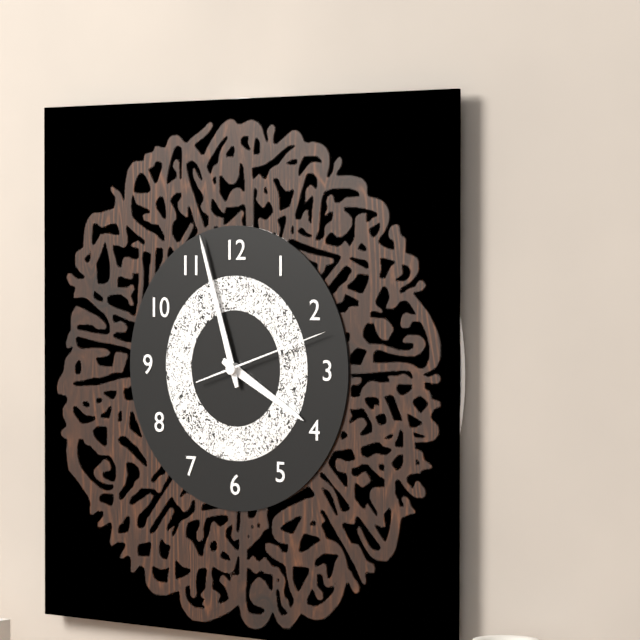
**3:57:12**
